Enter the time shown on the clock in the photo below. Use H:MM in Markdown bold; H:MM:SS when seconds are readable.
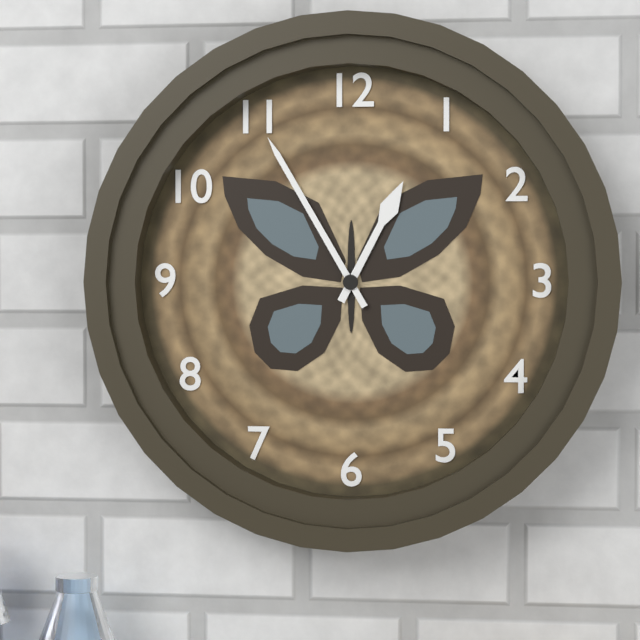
**12:55**
